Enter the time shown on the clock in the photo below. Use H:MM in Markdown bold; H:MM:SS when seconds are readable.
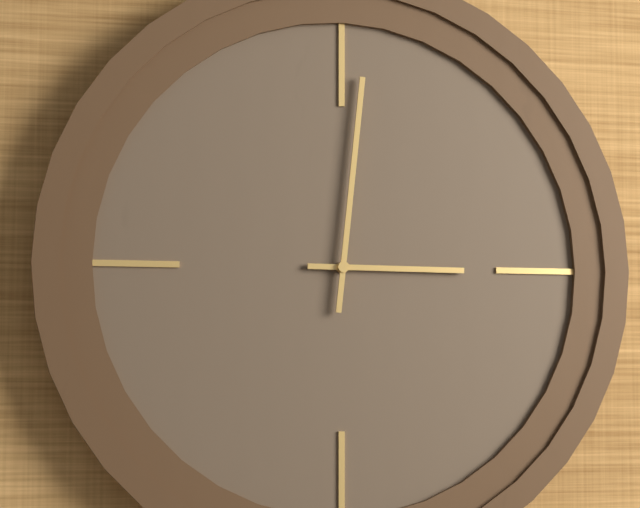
**3:01**
